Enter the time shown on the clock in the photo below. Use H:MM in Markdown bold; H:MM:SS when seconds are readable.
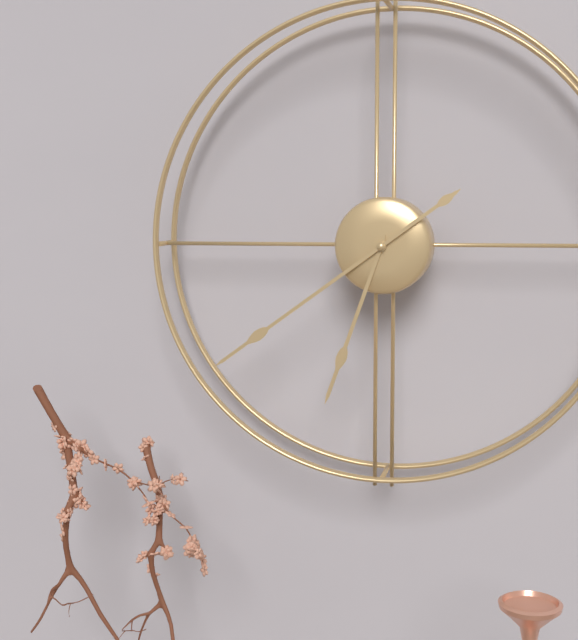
**6:39**
